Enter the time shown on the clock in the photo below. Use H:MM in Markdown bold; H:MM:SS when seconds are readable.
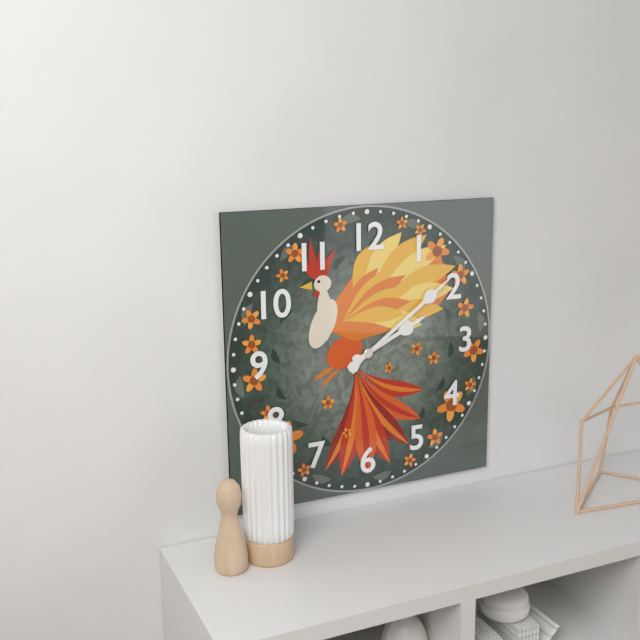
**2:09**
